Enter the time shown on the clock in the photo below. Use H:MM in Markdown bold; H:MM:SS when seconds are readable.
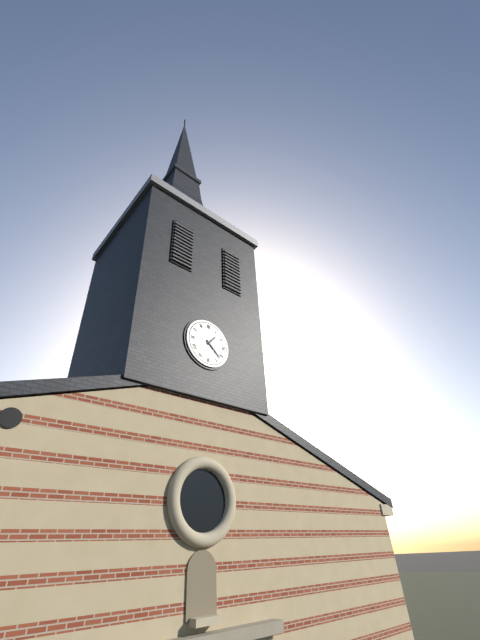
**1:22**
